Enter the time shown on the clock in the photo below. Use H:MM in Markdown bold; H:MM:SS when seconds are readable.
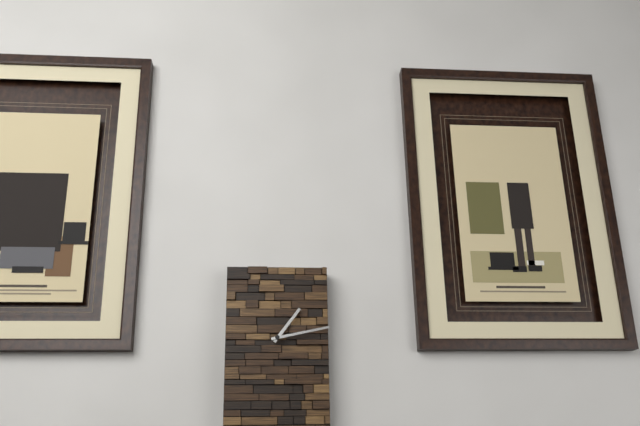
**1:13**
